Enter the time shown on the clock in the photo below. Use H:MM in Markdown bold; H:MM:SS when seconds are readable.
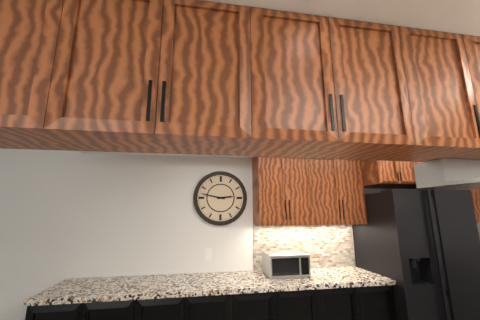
**2:47**
